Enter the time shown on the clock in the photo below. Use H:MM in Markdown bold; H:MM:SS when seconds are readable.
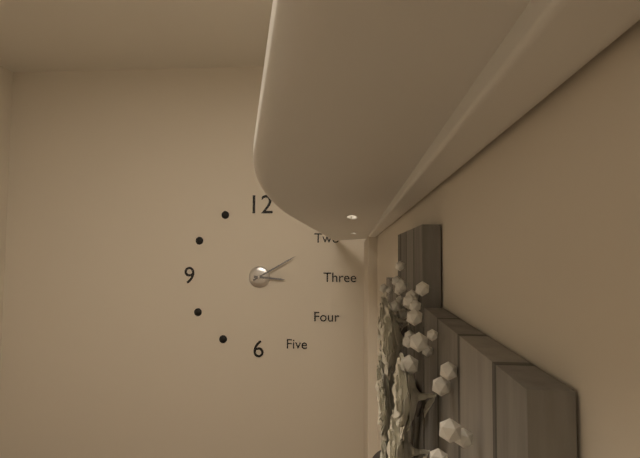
**3:10**
